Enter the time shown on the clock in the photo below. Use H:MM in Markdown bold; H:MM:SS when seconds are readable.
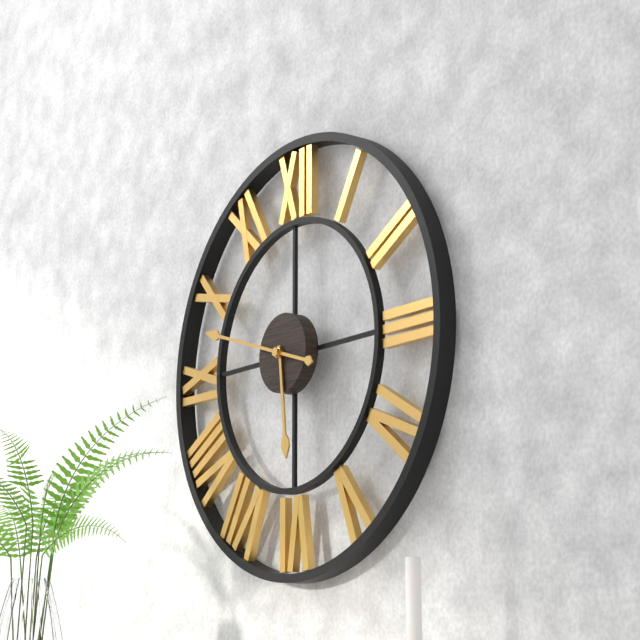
**5:48**
